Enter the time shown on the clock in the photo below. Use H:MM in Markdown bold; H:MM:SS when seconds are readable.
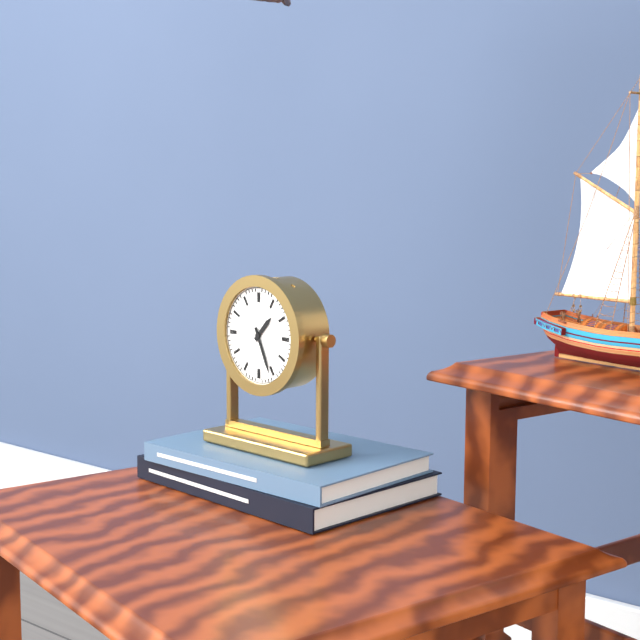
**1:26**
